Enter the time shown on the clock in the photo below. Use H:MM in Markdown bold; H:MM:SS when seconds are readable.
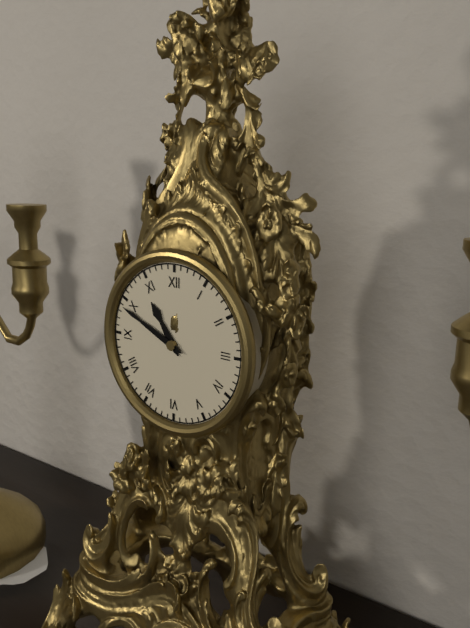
**10:49**
